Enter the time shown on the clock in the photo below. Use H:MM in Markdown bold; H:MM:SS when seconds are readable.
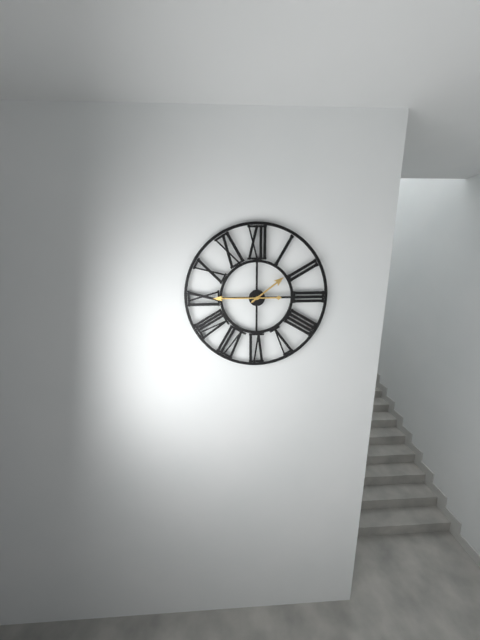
**1:45**
